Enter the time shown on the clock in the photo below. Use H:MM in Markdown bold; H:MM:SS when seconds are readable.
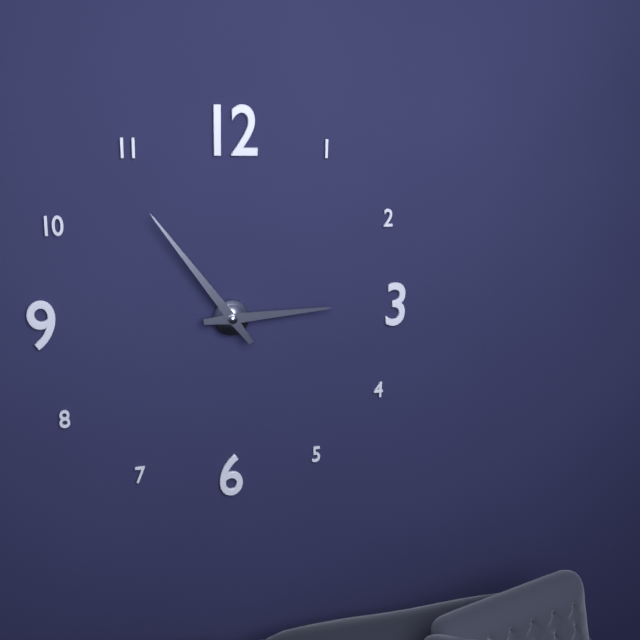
**2:54**
